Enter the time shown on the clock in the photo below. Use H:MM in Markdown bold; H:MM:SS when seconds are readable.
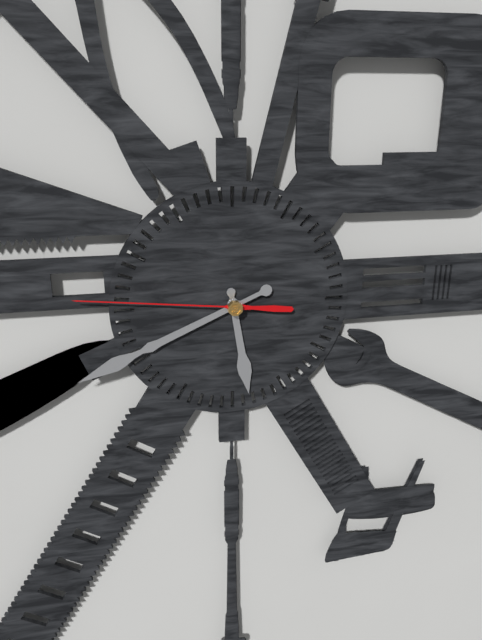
**5:41:46**
